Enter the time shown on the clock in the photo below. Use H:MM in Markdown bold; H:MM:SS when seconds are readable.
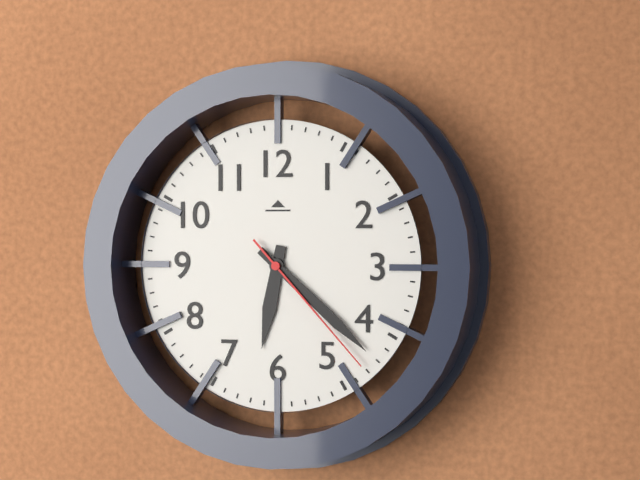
**6:22:23**
